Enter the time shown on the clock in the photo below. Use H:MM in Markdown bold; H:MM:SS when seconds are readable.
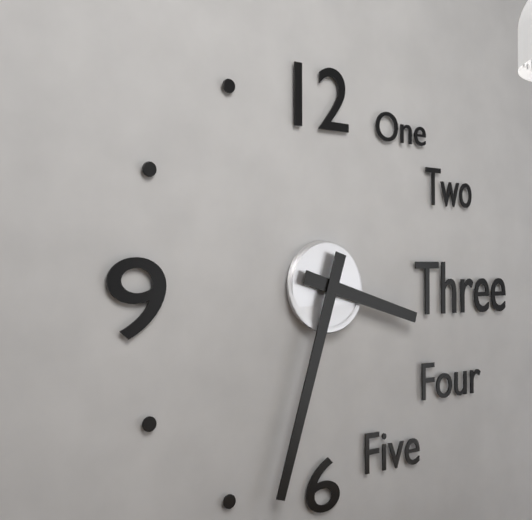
**3:33**
